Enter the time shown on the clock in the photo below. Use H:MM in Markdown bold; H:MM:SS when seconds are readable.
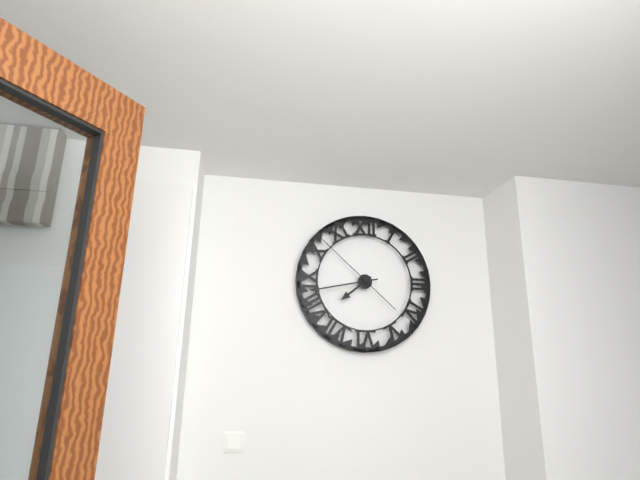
**7:43:52**
